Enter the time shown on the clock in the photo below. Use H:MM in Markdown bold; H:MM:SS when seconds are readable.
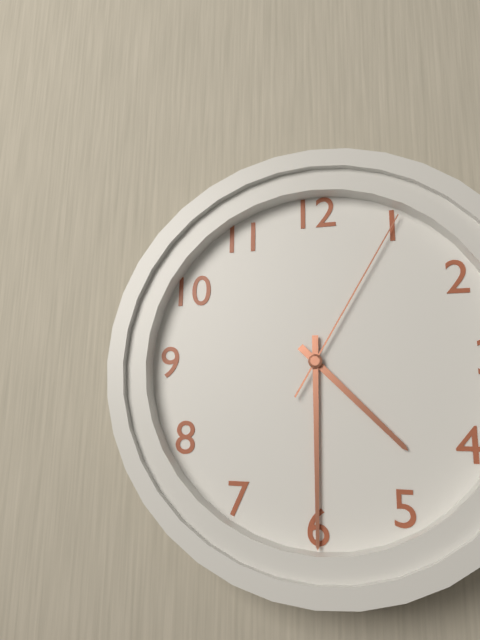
**4:30:05**
